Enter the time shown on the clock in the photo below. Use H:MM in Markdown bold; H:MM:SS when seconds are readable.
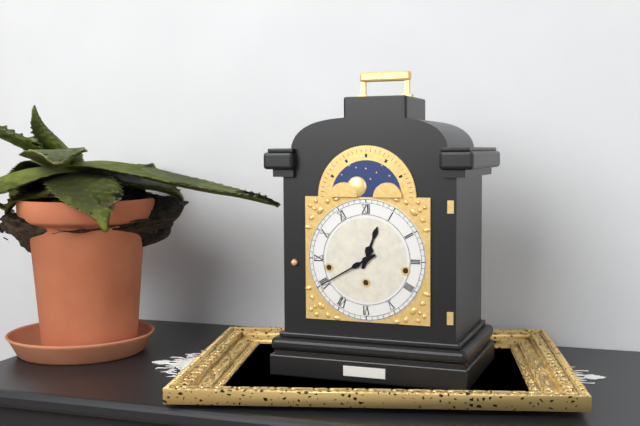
**12:40**
